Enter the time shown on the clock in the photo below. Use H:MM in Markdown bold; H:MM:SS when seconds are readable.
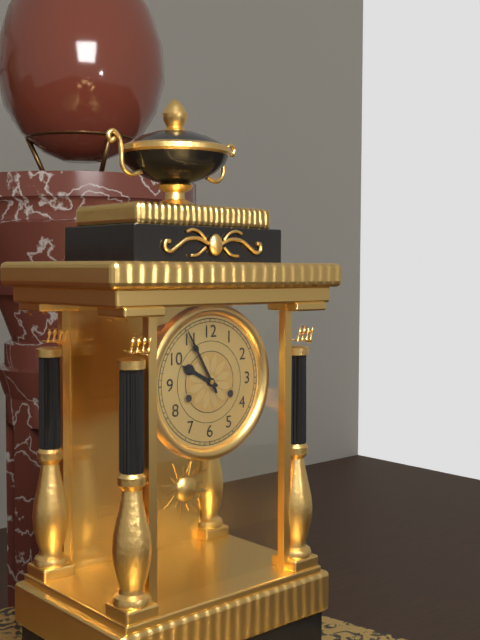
**9:55**
